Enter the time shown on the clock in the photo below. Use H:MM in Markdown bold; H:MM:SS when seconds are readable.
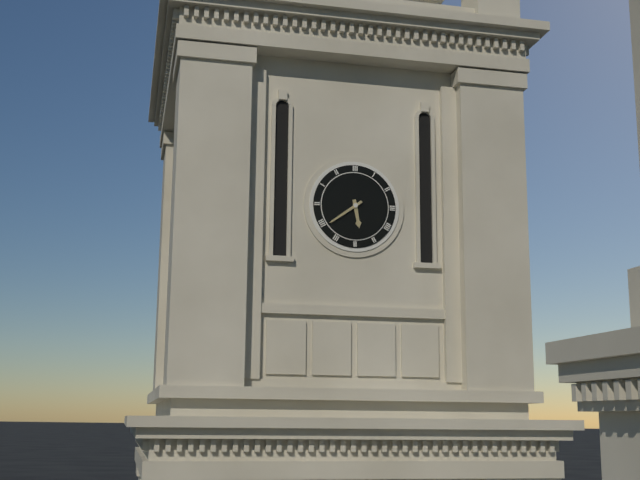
**5:39**
